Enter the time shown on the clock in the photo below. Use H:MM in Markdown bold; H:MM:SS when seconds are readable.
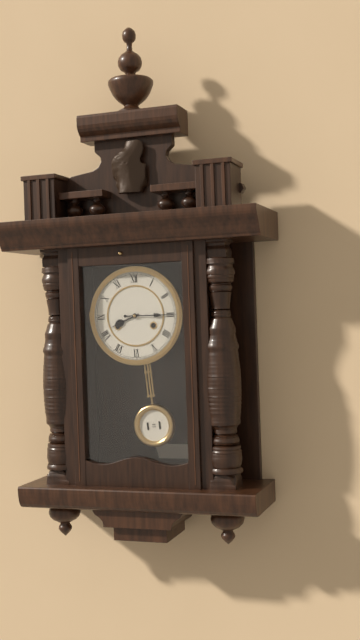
**8:15**
